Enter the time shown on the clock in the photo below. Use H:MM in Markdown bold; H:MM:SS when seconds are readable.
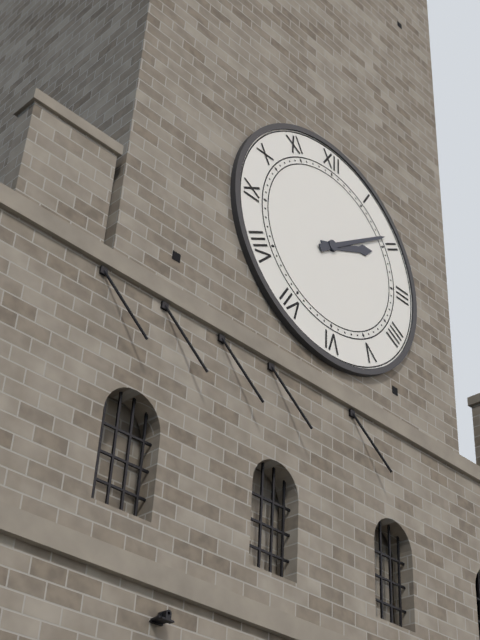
**2:09**
